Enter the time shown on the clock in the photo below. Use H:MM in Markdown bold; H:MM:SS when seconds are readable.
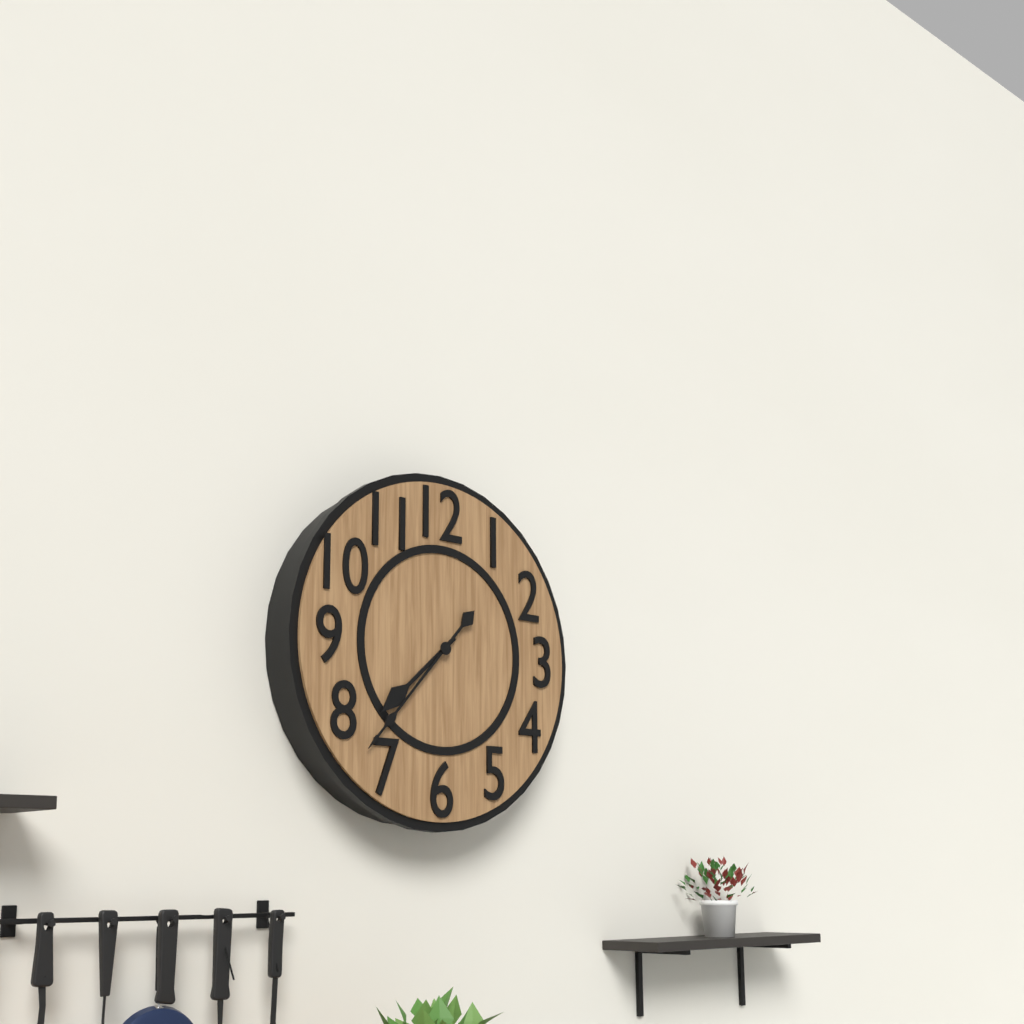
**7:37**
